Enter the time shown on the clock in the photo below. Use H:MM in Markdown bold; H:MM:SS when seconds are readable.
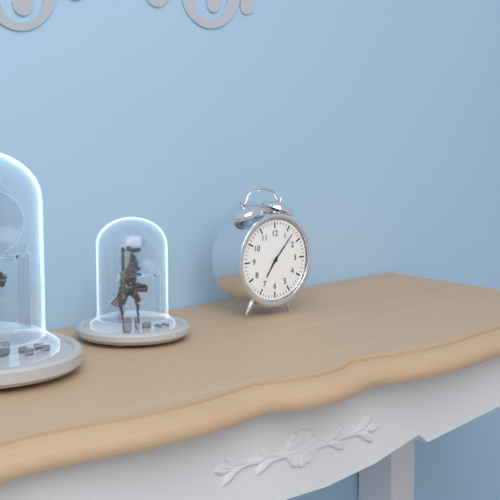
**7:07**
